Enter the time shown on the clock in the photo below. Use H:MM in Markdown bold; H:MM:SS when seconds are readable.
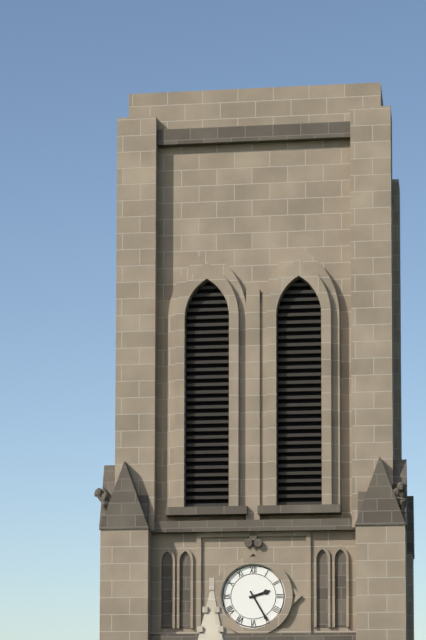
**2:25**
